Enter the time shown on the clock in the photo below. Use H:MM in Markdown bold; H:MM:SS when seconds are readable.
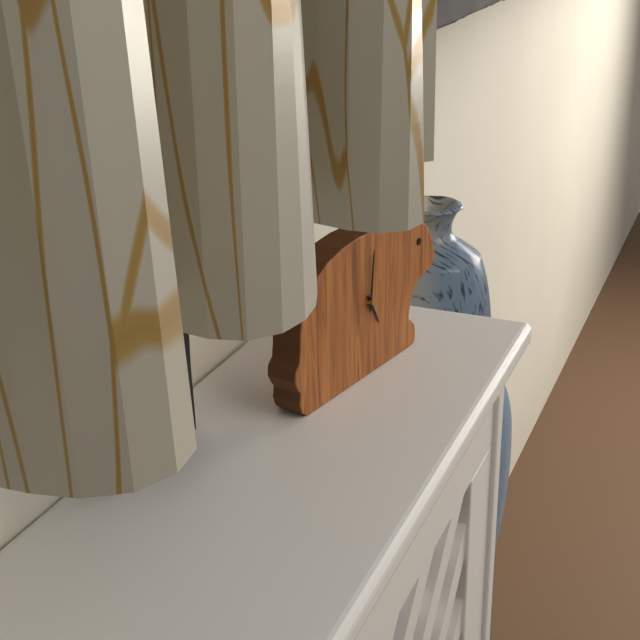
**5:01**
